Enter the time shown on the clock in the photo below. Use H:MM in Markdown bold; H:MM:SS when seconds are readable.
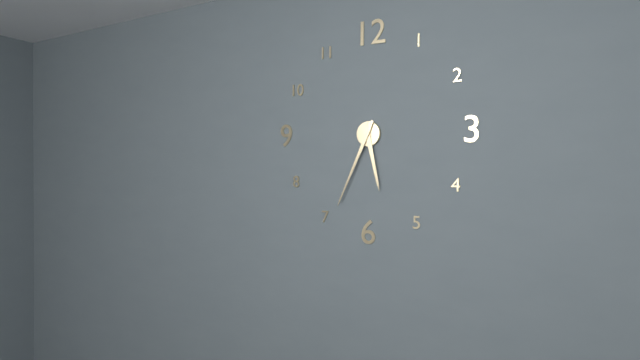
**5:34**
